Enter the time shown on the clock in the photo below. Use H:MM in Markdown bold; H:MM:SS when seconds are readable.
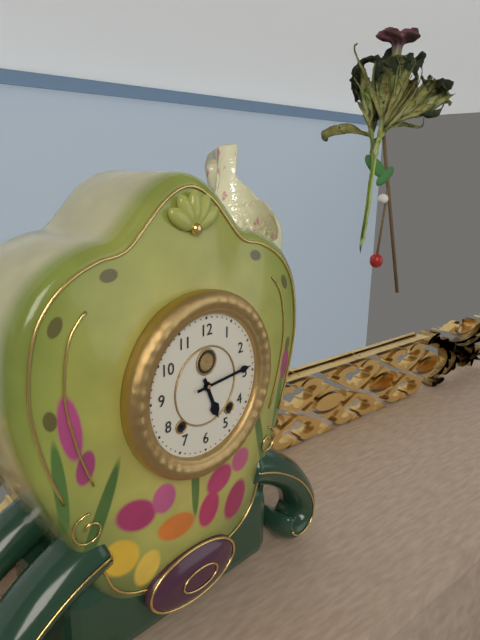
**5:14**
